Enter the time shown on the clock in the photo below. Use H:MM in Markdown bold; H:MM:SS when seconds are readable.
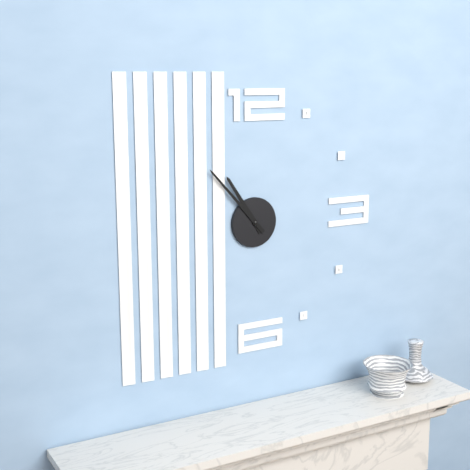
**10:53**
